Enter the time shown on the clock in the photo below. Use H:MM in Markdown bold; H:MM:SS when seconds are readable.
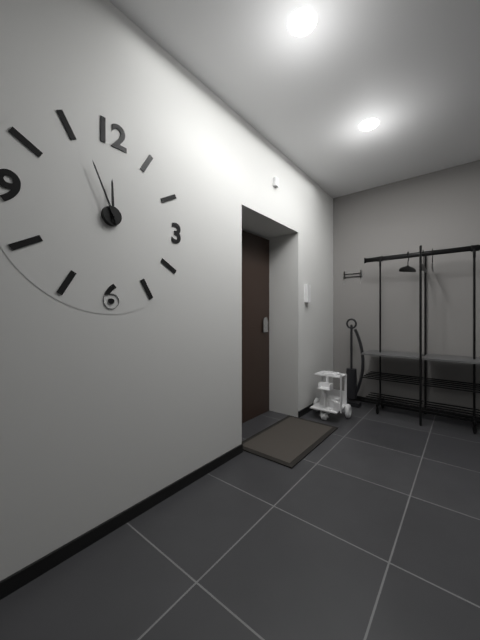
**11:56**
